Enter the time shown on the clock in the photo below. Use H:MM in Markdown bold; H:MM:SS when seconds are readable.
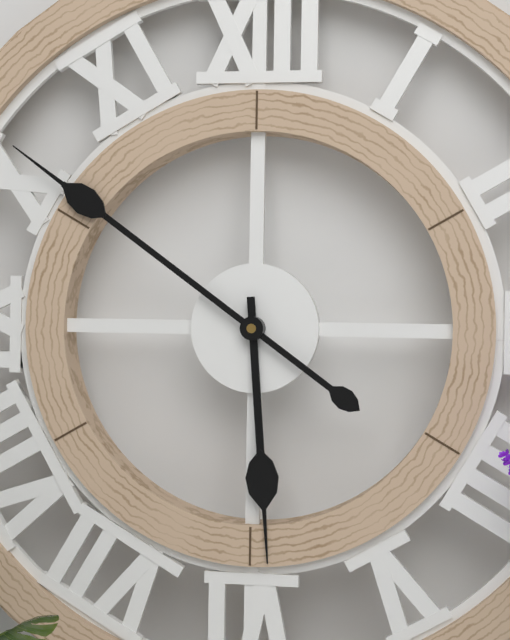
**5:51**
